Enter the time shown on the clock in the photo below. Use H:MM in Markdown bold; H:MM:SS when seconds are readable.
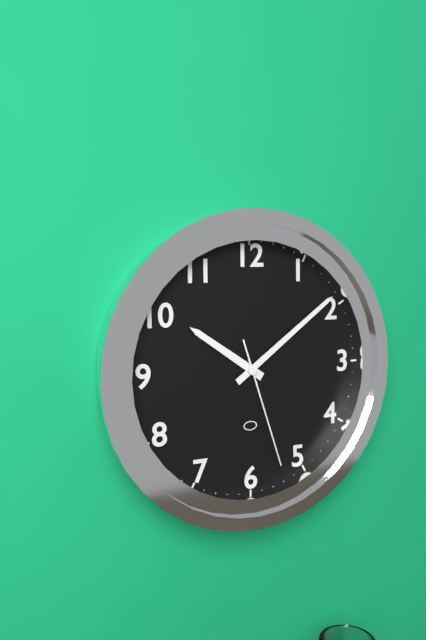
**10:09:27**
